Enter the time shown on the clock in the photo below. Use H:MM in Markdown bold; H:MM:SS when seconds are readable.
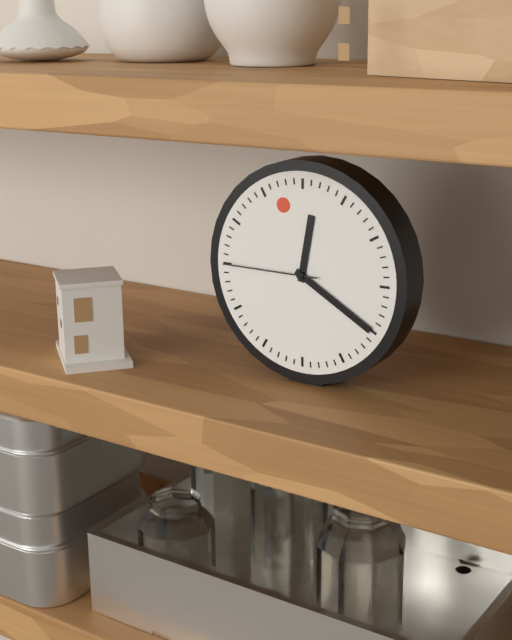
**12:20:45**
